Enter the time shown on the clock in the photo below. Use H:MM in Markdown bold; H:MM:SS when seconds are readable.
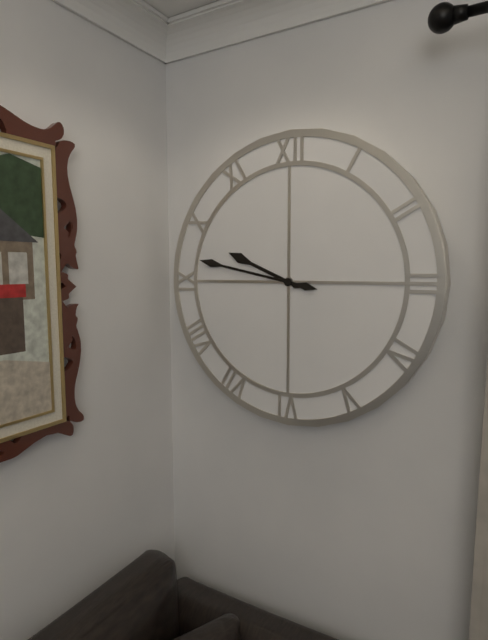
**9:47**
